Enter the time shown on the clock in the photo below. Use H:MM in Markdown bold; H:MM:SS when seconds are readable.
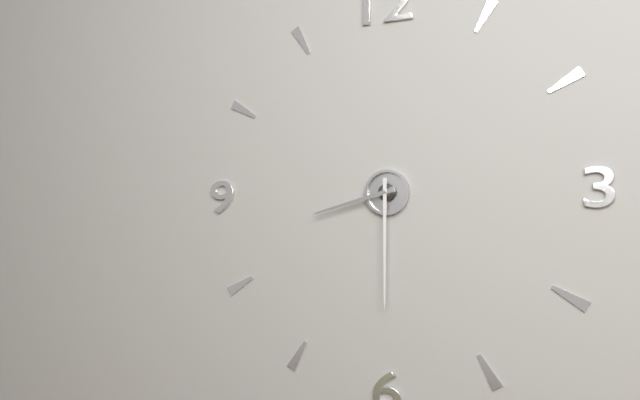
**8:30**
